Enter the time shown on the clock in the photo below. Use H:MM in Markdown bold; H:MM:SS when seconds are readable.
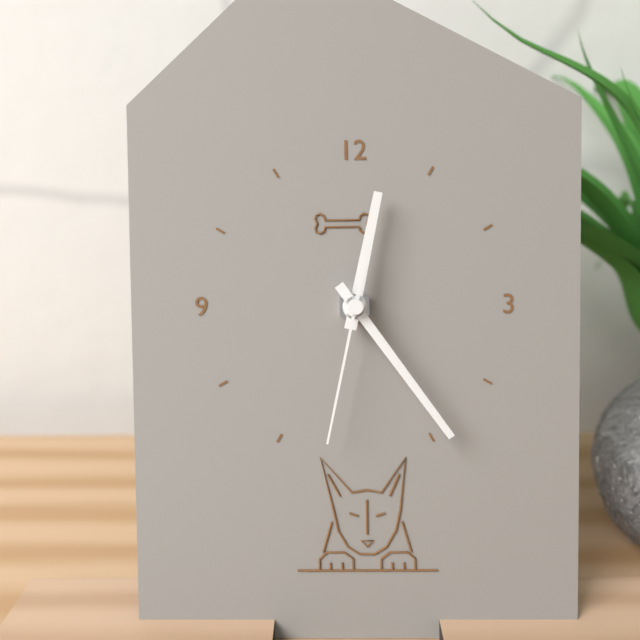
**12:24:32**
